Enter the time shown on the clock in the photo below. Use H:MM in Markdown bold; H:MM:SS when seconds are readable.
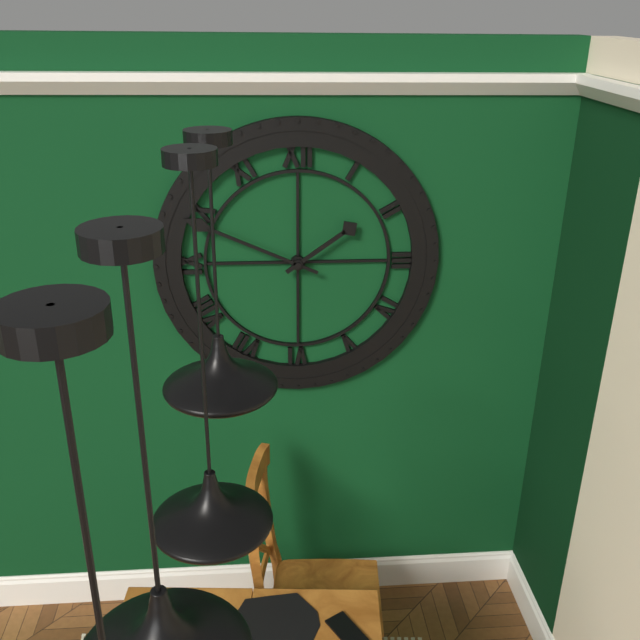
**1:49**
